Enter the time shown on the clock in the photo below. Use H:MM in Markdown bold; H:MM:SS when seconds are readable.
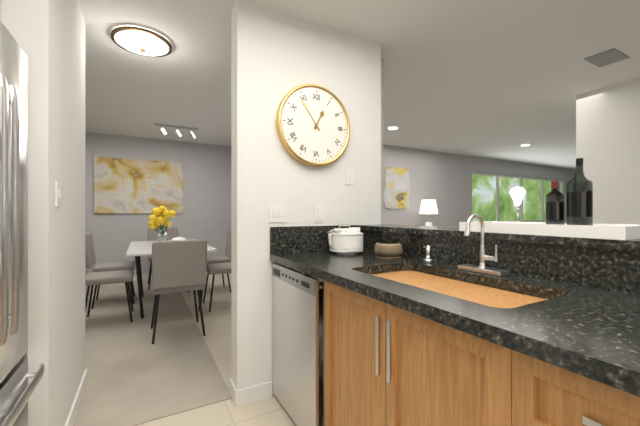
**12:54**
